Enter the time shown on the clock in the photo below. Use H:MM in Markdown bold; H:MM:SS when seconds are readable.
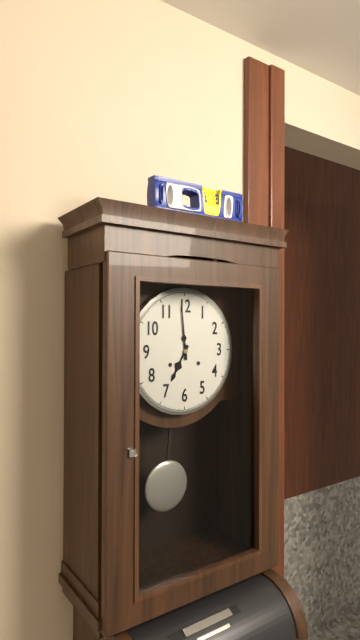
**6:59**
